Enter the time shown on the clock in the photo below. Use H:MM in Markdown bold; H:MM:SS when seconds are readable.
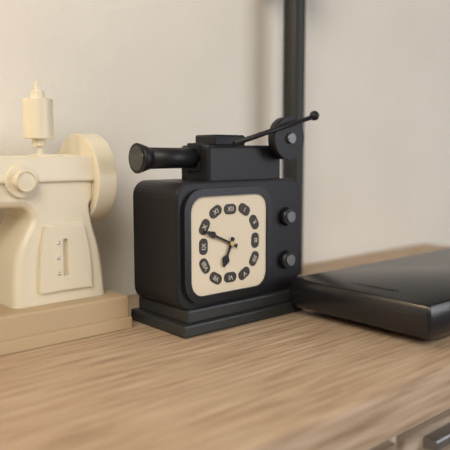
**6:49**
